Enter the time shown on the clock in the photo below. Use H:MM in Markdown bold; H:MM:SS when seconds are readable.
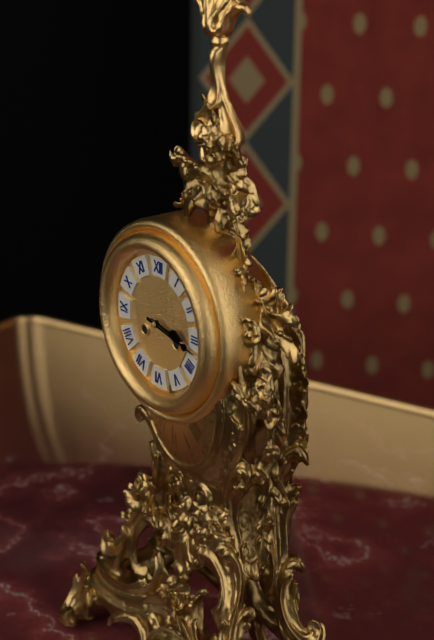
**3:17**
